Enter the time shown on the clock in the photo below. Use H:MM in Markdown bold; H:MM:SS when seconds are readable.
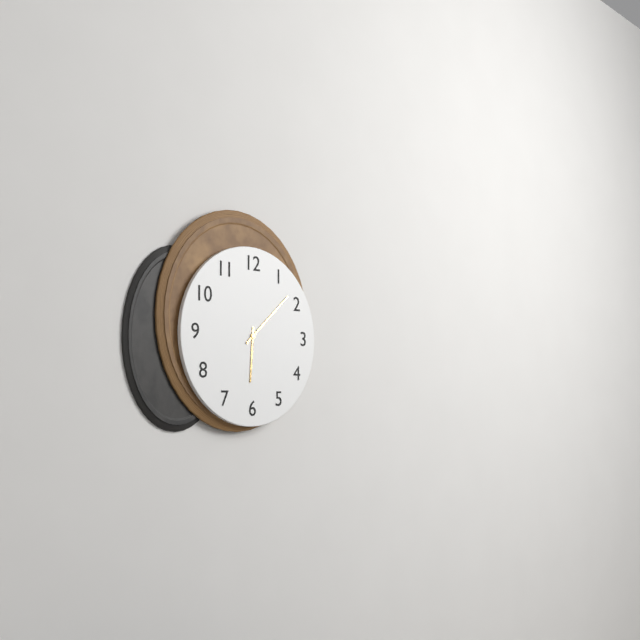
**6:08**
